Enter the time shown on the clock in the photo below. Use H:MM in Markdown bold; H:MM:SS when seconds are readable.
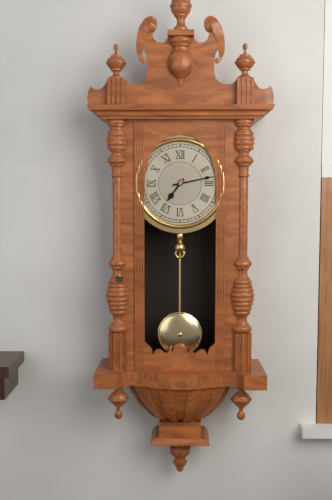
**7:13**
